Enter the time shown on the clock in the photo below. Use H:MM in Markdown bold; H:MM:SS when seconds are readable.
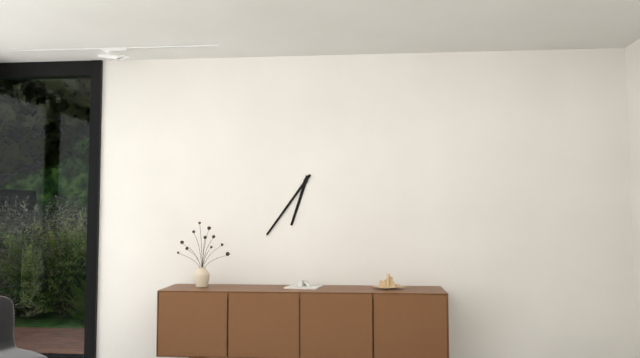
**6:36**
